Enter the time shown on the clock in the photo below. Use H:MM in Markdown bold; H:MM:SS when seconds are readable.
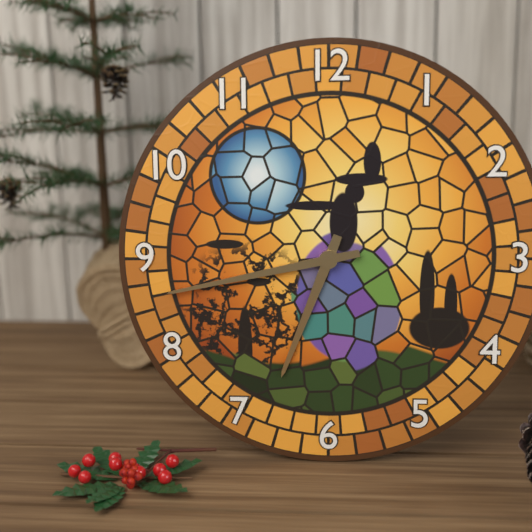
**6:43**
